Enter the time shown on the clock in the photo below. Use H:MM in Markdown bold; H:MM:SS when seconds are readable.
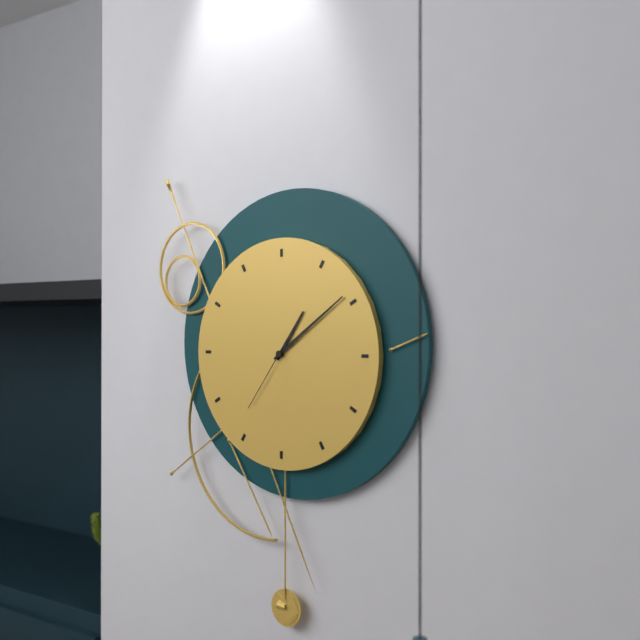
**1:09:36**
